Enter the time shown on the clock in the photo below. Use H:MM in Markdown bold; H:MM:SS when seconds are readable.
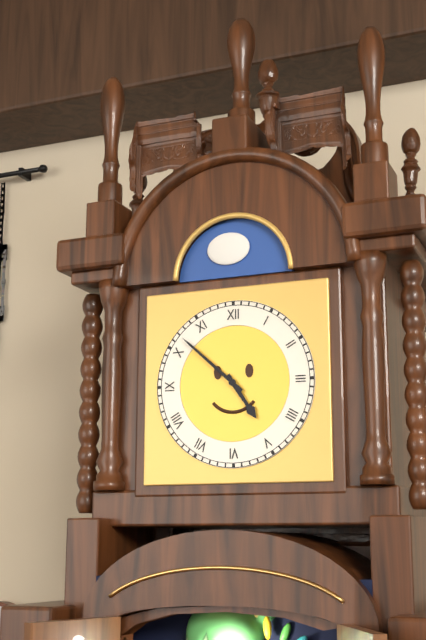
**4:52**
